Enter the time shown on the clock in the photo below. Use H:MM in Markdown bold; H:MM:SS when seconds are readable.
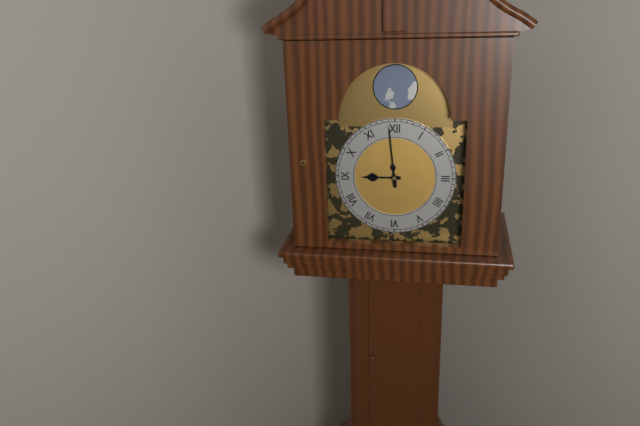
**8:59**
